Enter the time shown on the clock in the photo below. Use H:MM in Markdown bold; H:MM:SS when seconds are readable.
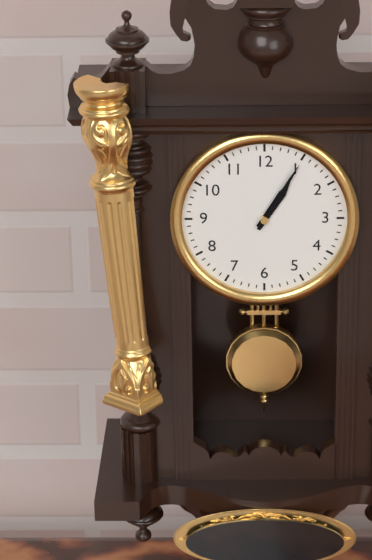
**1:05**
